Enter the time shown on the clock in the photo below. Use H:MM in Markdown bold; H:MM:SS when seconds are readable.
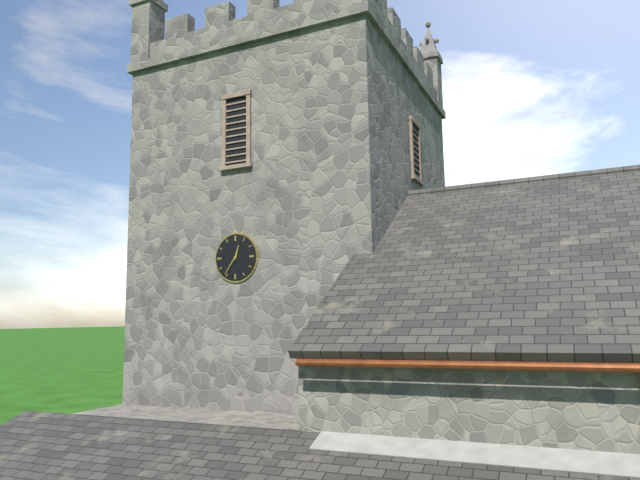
**12:36**
